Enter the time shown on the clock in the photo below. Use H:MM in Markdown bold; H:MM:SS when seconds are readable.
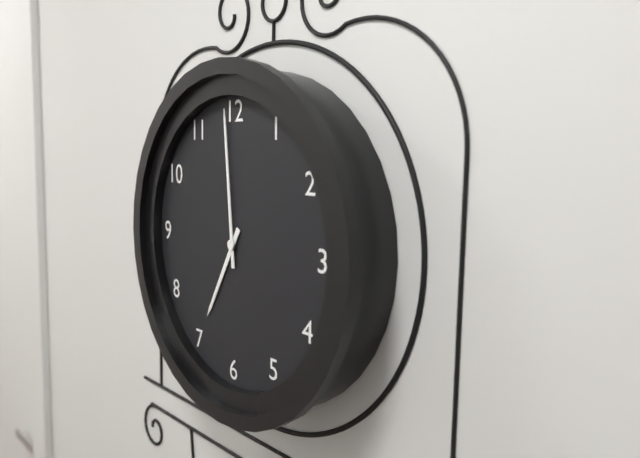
**6:59**
